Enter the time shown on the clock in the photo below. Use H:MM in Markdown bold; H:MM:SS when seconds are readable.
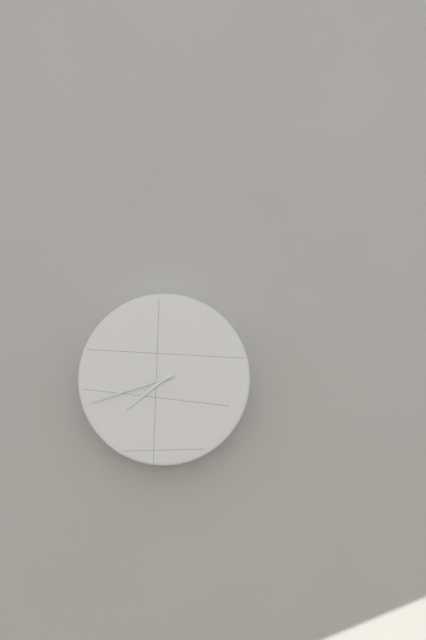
**7:42**
